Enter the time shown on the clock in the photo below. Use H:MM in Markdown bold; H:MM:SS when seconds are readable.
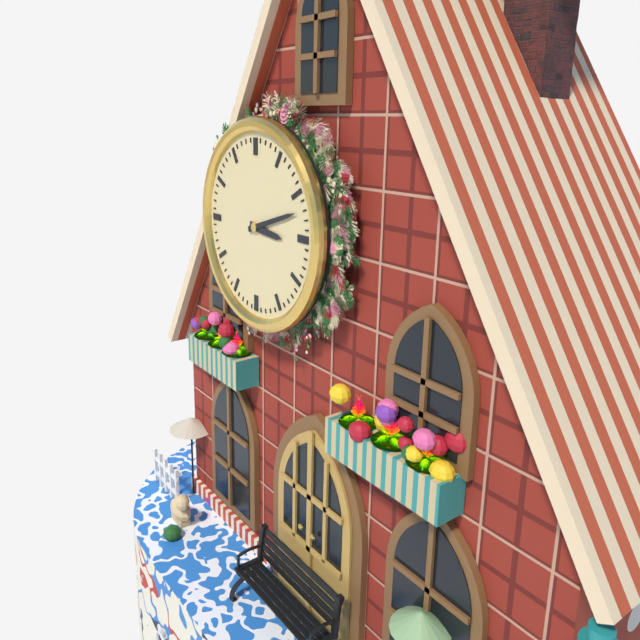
**3:12**
